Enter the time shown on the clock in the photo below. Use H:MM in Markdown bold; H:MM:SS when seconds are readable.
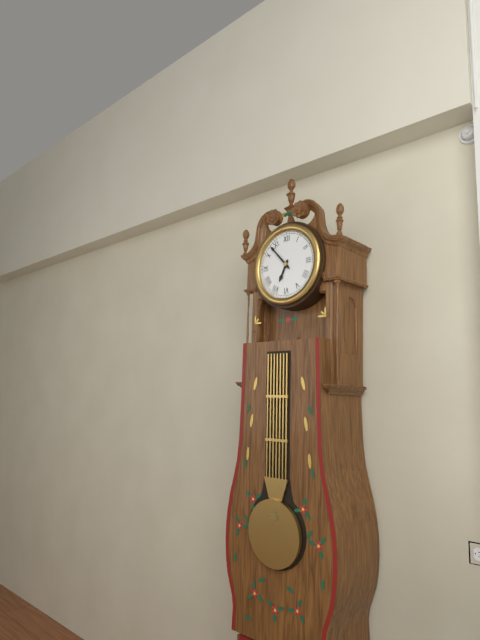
**6:53**
